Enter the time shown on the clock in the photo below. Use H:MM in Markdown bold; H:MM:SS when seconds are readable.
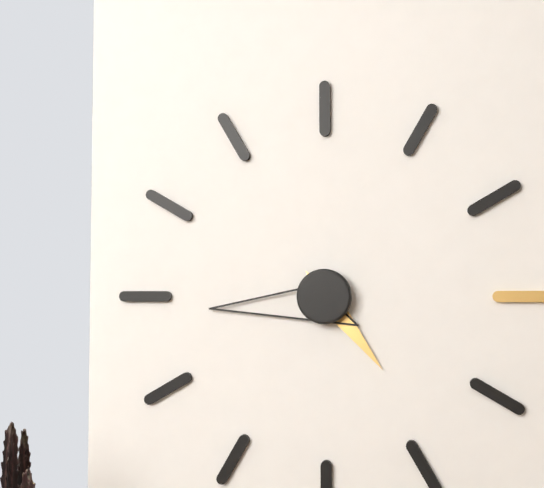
**4:44**
